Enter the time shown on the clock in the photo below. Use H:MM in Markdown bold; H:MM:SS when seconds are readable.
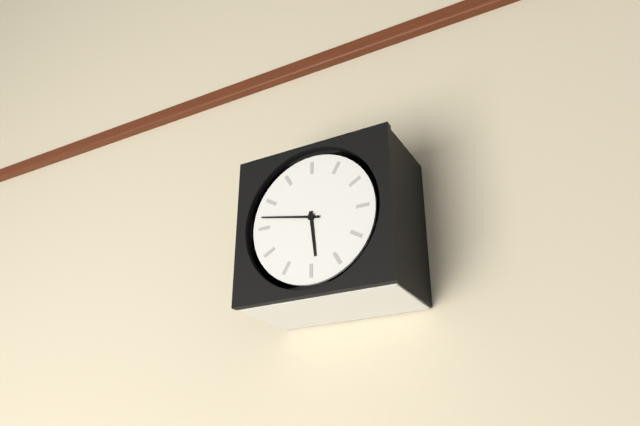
**5:47**
